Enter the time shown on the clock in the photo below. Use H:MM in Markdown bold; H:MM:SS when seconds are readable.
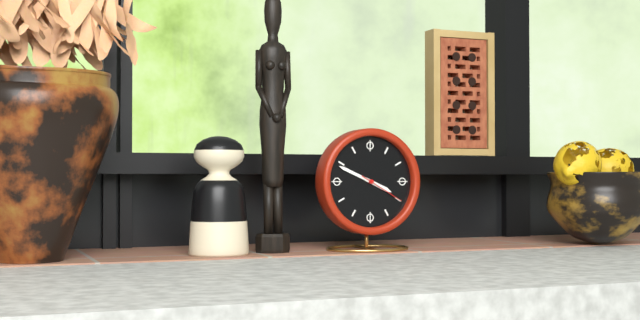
**3:49**
